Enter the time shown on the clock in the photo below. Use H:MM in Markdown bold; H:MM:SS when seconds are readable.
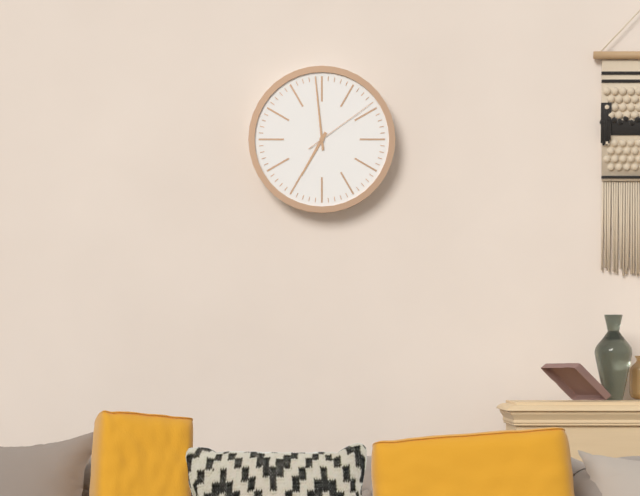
**6:59:09**
